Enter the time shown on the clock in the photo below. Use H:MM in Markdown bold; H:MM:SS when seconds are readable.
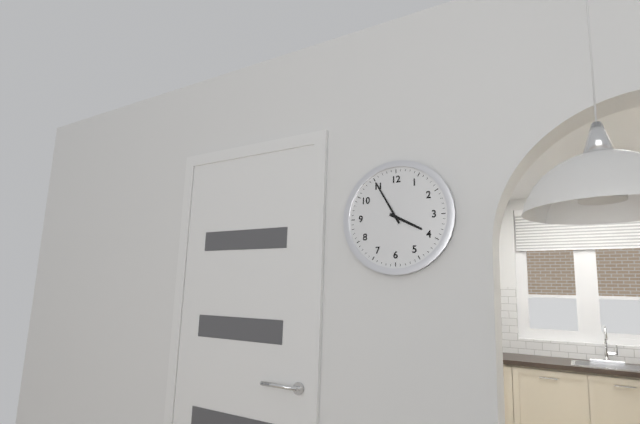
**3:55**
